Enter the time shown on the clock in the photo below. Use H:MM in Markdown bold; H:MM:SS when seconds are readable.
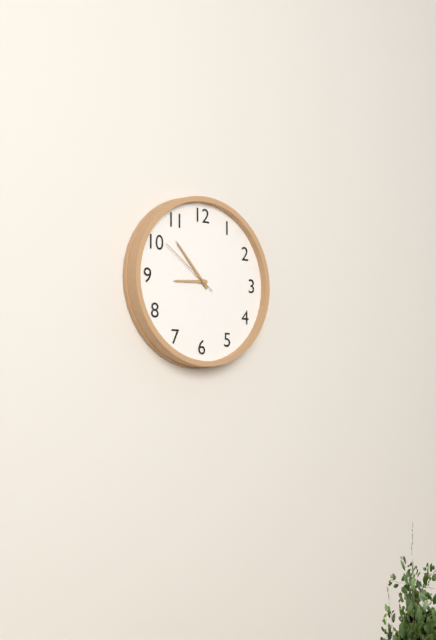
**8:53:51**
